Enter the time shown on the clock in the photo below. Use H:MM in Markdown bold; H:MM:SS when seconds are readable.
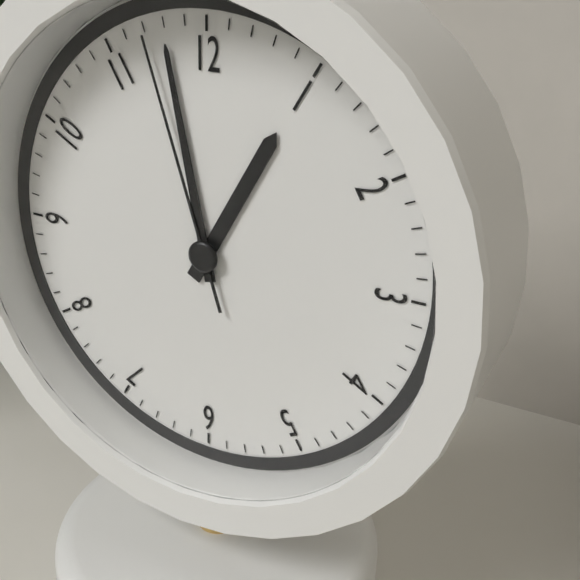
**12:58:57**
